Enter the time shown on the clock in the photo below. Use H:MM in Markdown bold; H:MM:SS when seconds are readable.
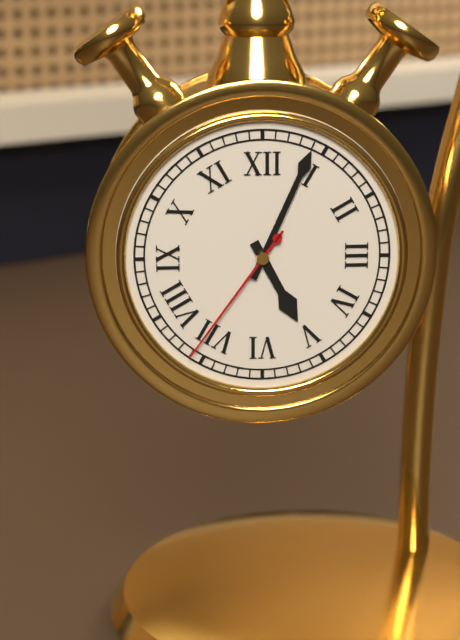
**5:04:36**
